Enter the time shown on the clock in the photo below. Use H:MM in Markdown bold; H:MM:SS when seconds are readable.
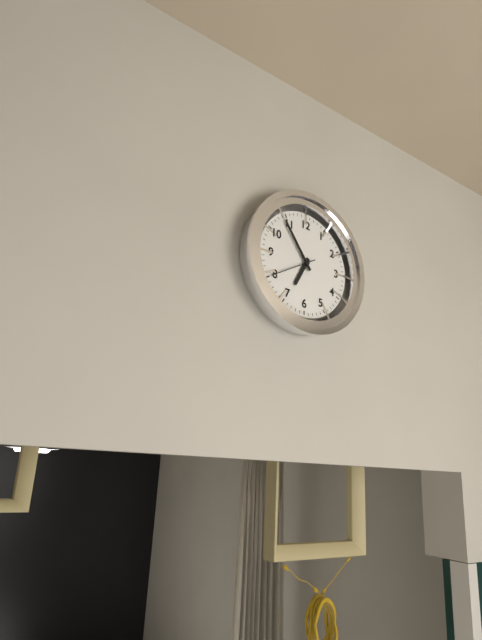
**6:54**
